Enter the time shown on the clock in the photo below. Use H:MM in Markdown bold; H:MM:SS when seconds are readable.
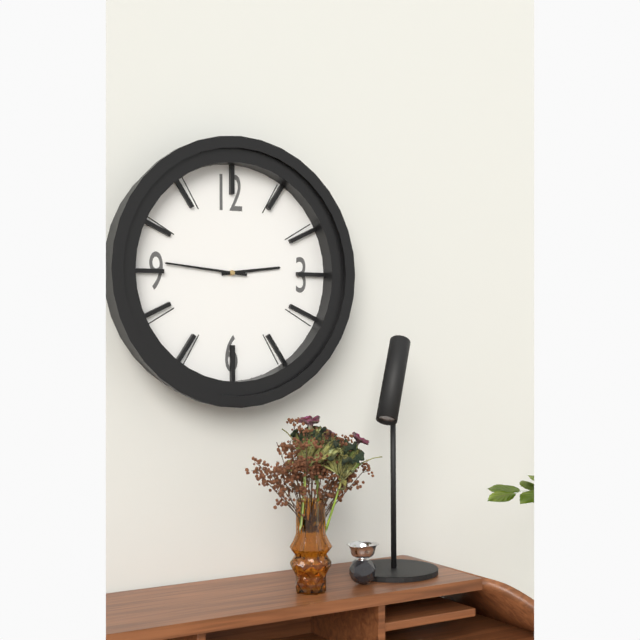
**2:46**
